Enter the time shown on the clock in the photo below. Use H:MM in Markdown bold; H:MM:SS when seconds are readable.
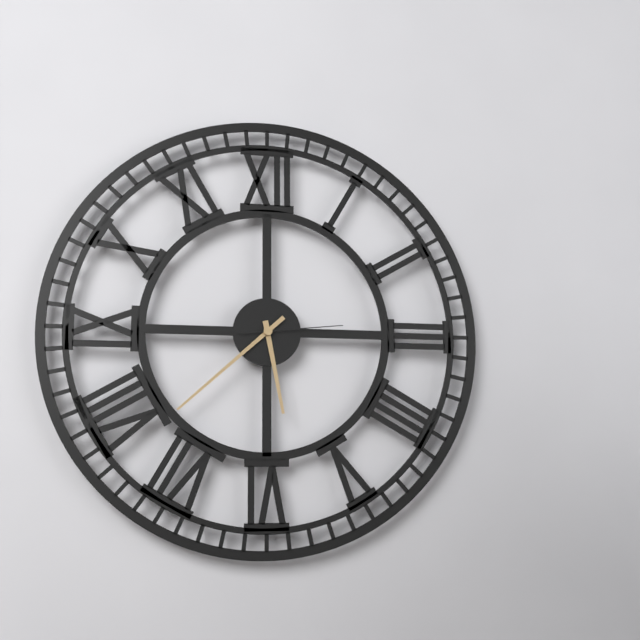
**5:38:14**
